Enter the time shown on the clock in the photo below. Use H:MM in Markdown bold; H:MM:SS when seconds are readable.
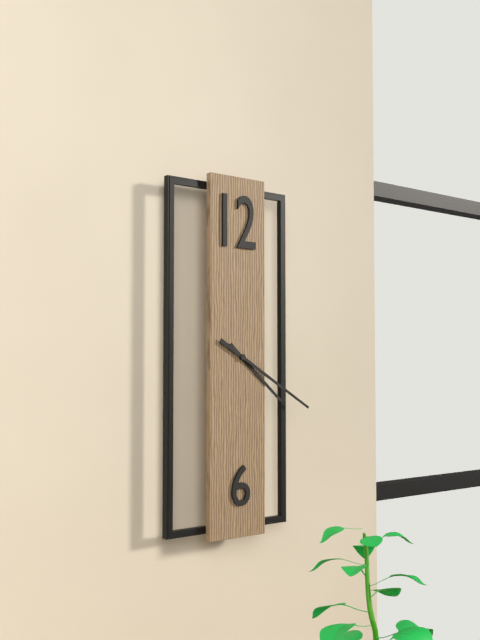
**4:20**
